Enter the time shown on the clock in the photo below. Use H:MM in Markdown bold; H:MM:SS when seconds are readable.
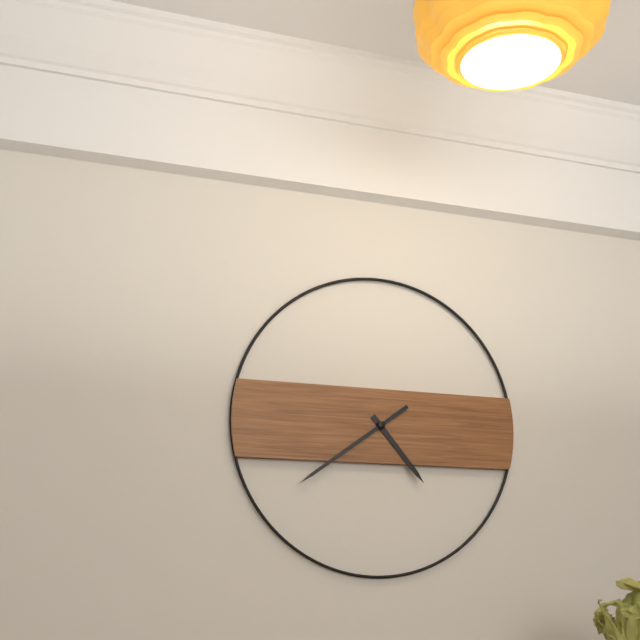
**4:39**
